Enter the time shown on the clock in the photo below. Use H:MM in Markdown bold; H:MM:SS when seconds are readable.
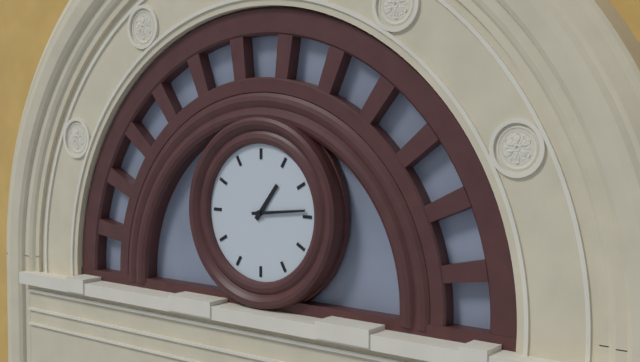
**1:14**
